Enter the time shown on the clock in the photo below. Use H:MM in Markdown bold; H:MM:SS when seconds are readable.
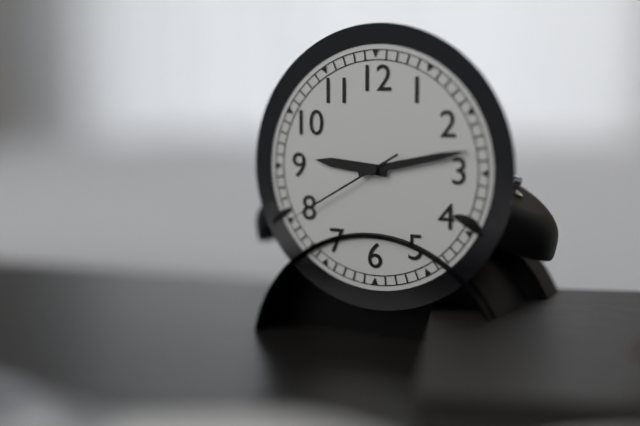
**9:13:40**
